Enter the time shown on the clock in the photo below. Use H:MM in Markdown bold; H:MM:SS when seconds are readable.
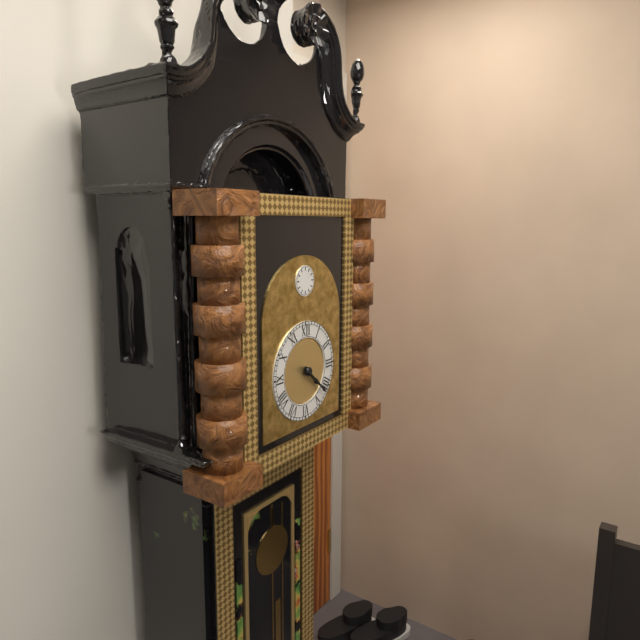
**4:22**
